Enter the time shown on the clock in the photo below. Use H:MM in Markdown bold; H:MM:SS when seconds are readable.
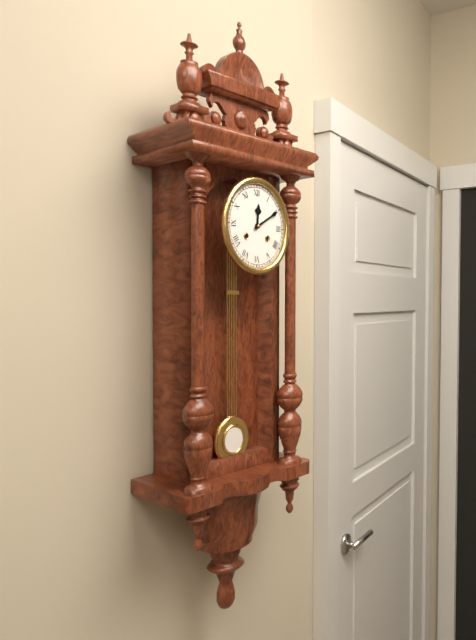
**12:10**
